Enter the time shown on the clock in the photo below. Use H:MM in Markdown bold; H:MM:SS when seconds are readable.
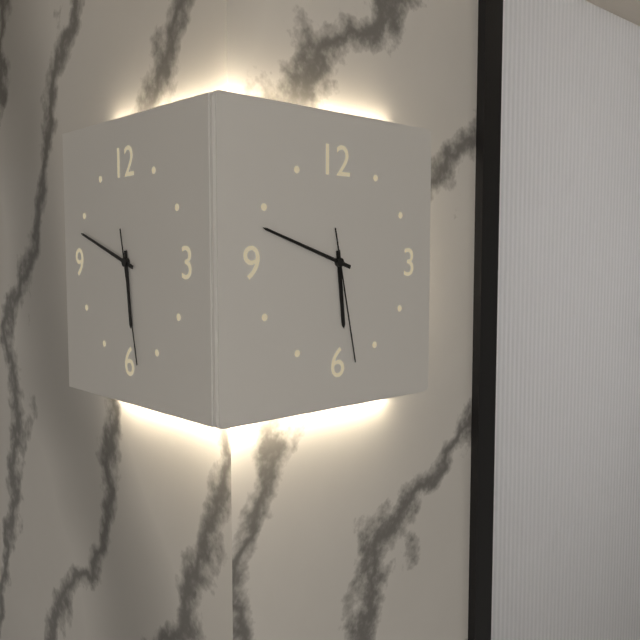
**5:48:28**
